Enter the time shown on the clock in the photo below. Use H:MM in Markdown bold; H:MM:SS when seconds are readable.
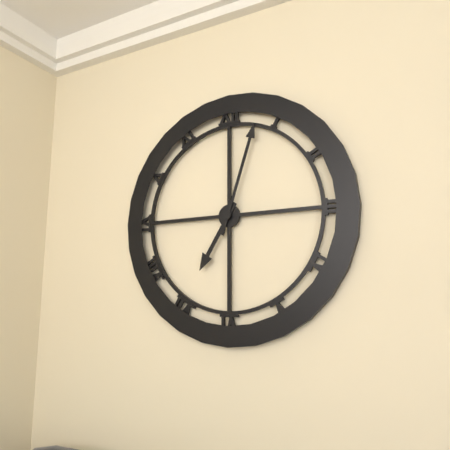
**7:03**
